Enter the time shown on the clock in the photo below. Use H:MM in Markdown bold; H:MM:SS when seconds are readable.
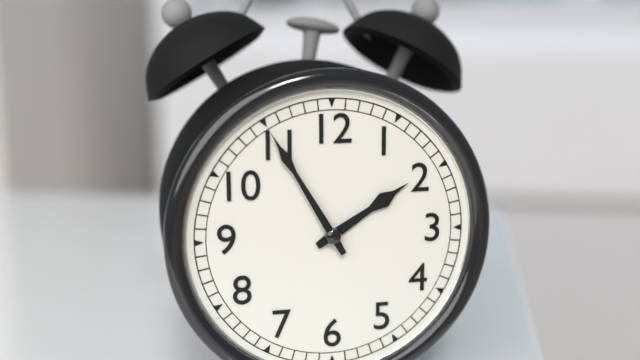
**1:55**
